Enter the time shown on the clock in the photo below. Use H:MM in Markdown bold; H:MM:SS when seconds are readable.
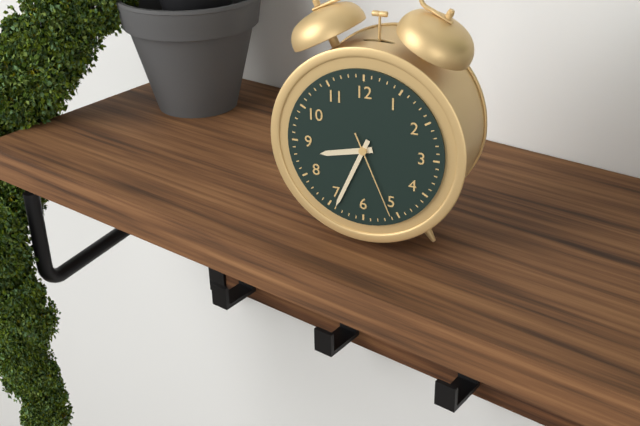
**8:34:26**
